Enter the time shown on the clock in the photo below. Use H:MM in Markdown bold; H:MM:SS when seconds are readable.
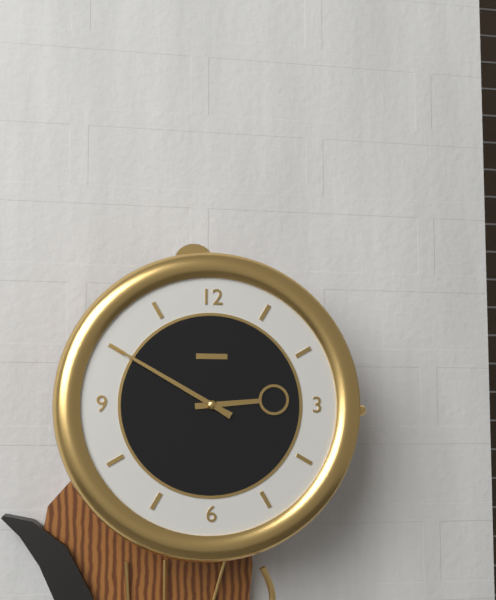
**2:50**
